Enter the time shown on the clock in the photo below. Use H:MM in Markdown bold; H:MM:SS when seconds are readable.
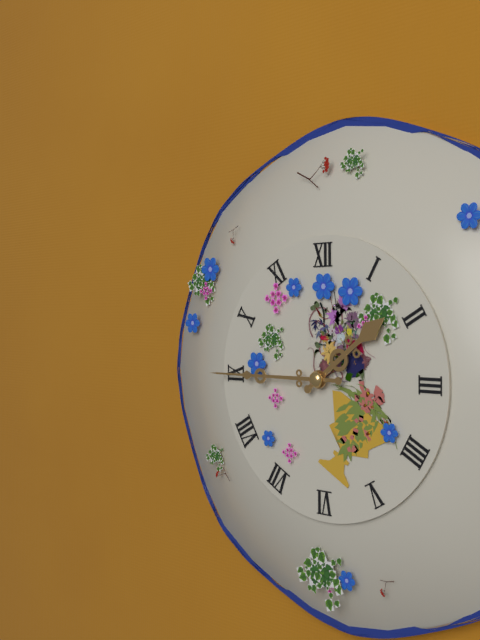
**1:45**
